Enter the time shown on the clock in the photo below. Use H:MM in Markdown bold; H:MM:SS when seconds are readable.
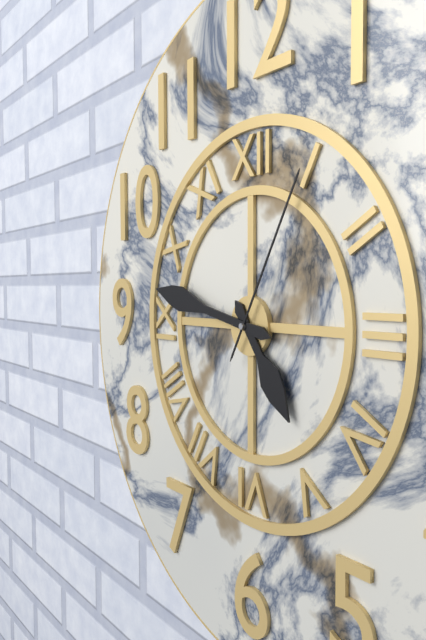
**4:47:05**
